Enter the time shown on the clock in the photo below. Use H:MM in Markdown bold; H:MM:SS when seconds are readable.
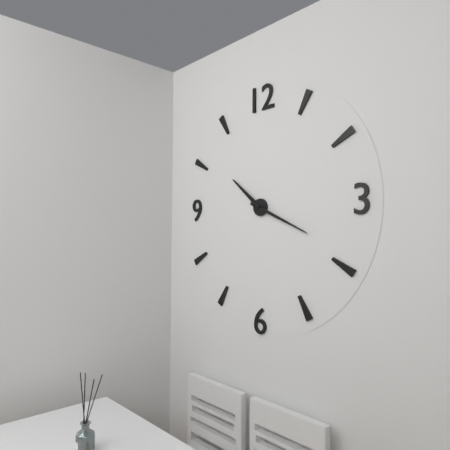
**10:19**
